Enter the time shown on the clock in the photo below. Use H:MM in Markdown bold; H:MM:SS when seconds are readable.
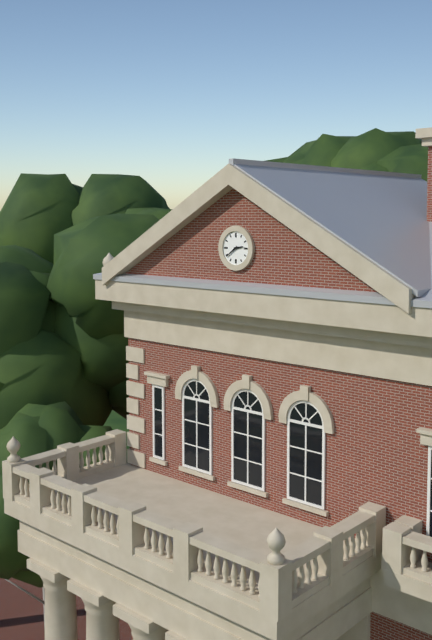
**2:39**
